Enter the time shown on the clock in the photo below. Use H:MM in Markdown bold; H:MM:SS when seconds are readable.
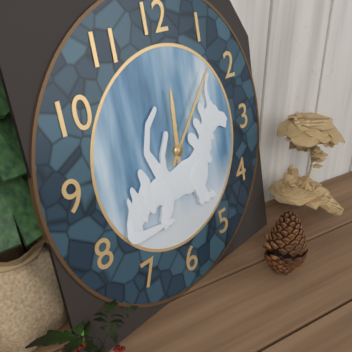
**12:07**
